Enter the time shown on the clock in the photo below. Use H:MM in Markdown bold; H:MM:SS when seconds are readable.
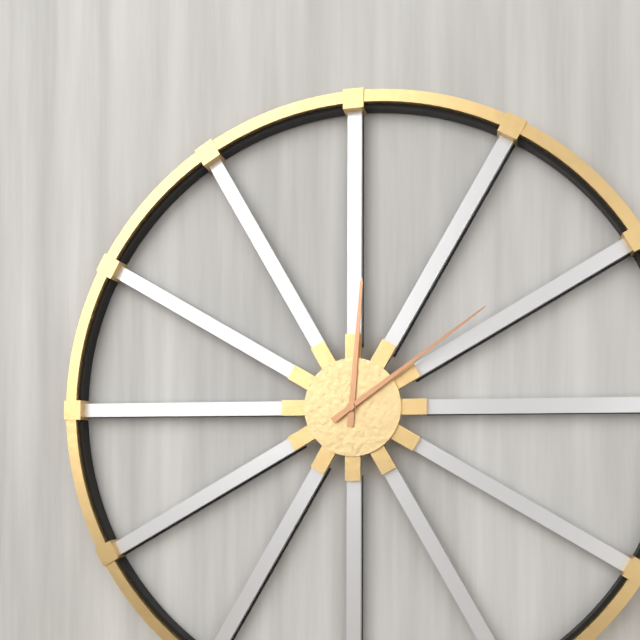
**12:09**
